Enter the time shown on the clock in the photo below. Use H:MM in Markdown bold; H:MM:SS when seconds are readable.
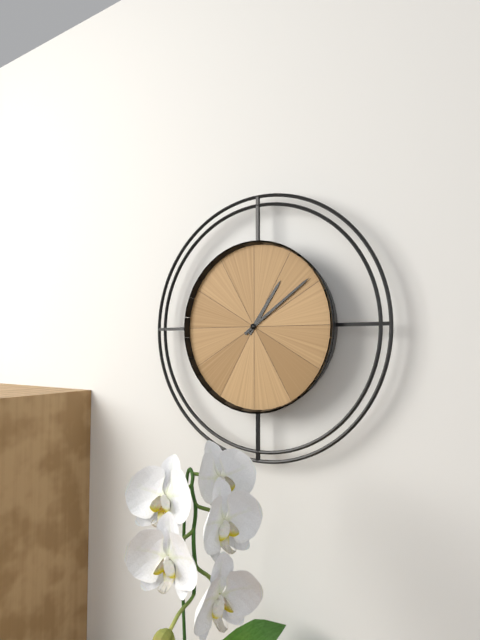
**1:09**
